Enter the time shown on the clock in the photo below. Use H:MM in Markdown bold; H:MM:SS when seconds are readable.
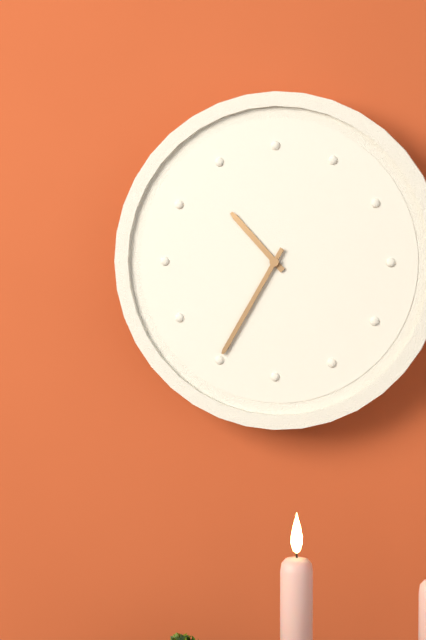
**10:35**
